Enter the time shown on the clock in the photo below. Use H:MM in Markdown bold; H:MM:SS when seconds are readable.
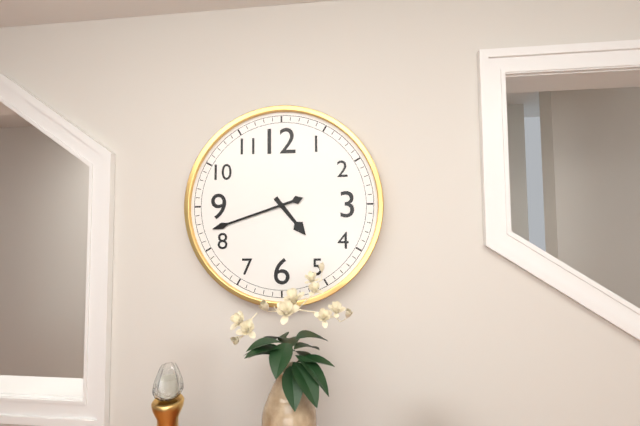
**4:42**
